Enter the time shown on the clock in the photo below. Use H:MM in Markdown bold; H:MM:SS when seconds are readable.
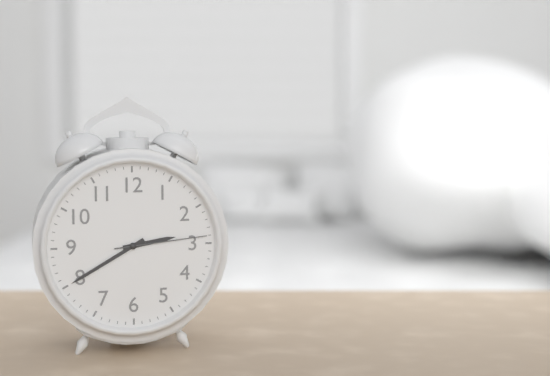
**2:40:14**
